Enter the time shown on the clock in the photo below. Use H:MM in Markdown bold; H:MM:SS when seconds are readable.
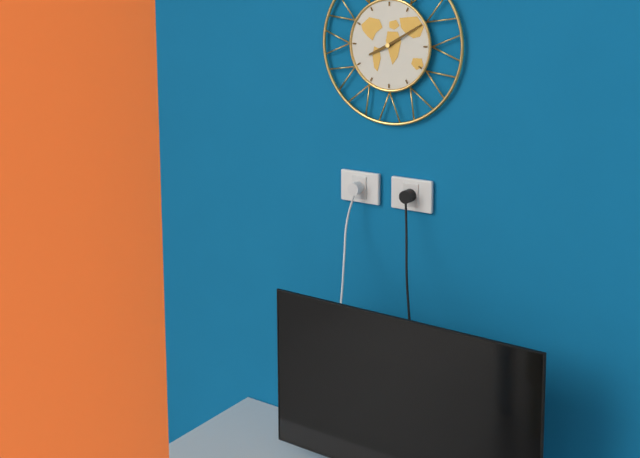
**8:10**
